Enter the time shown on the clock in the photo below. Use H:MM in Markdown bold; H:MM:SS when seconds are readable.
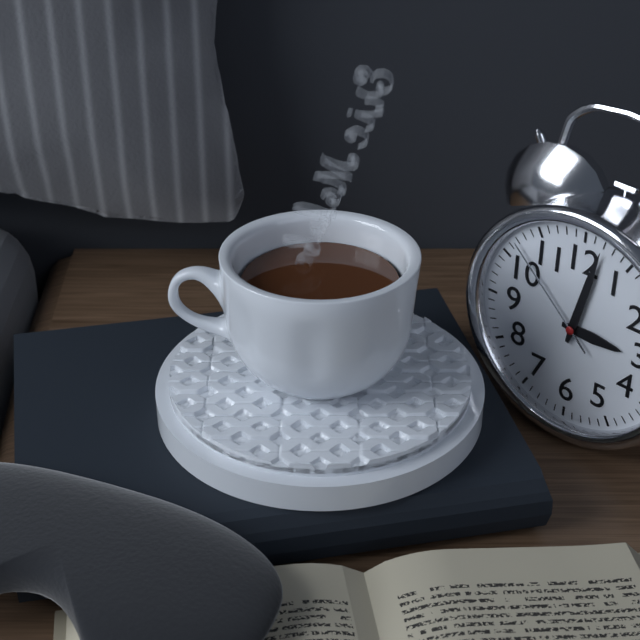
**3:02:52**
